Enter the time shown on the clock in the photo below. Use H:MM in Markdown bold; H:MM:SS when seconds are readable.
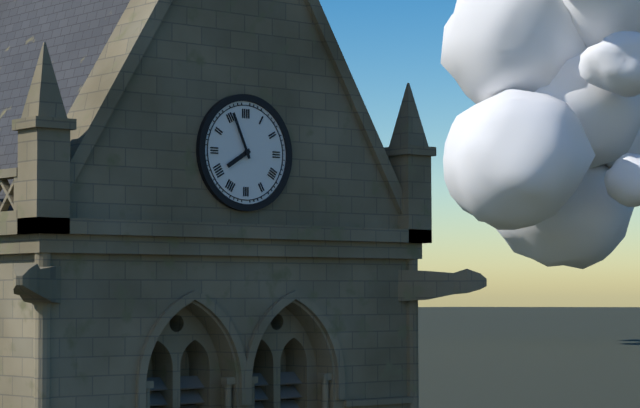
**7:56**
